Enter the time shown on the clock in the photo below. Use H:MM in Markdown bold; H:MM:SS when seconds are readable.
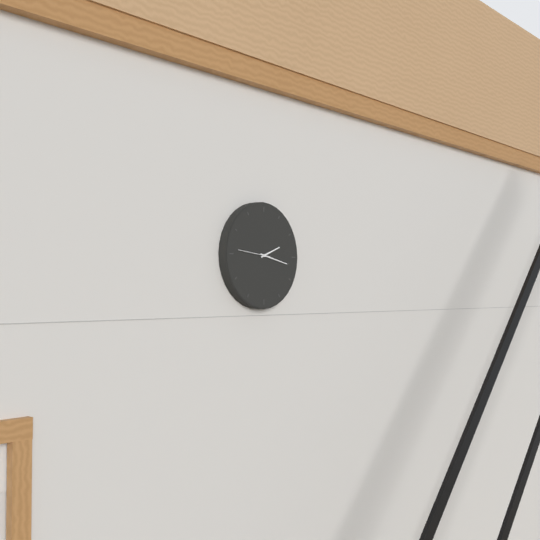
**2:17**
